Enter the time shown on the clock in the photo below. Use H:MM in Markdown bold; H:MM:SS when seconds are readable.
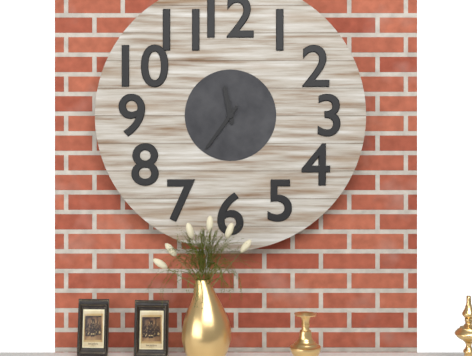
**11:36**
